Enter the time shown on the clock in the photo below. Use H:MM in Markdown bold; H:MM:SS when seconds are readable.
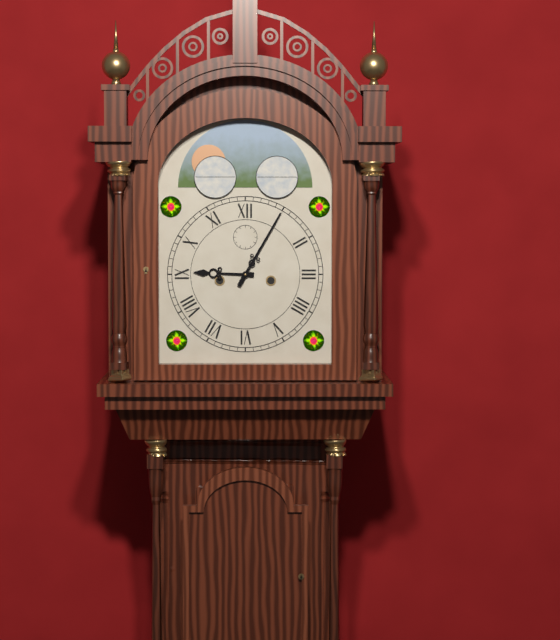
**9:05**
